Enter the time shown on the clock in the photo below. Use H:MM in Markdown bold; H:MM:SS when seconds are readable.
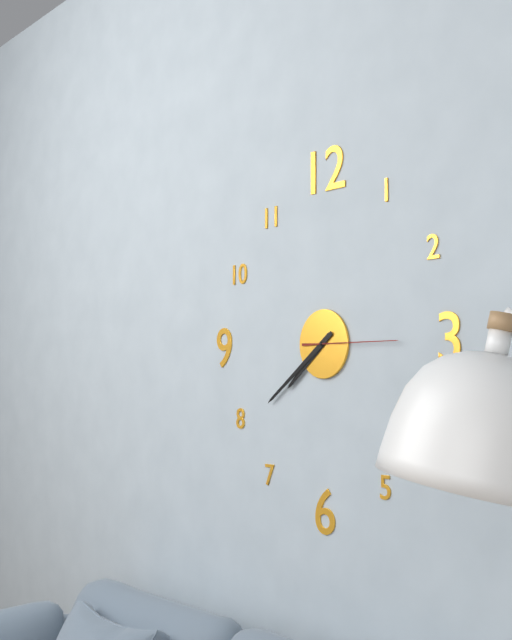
**7:39:15**
